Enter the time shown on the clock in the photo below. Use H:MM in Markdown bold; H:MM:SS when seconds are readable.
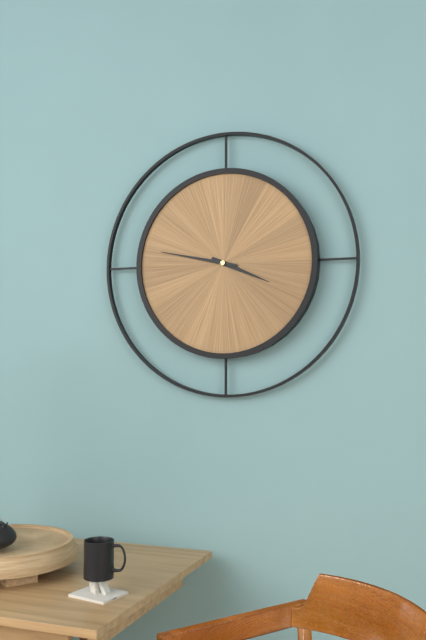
**3:47**
